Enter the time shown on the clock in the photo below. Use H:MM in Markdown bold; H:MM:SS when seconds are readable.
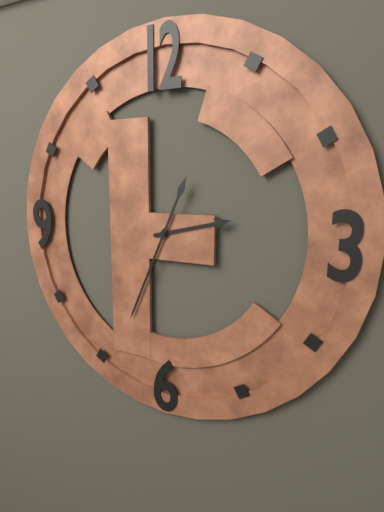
**2:34**
